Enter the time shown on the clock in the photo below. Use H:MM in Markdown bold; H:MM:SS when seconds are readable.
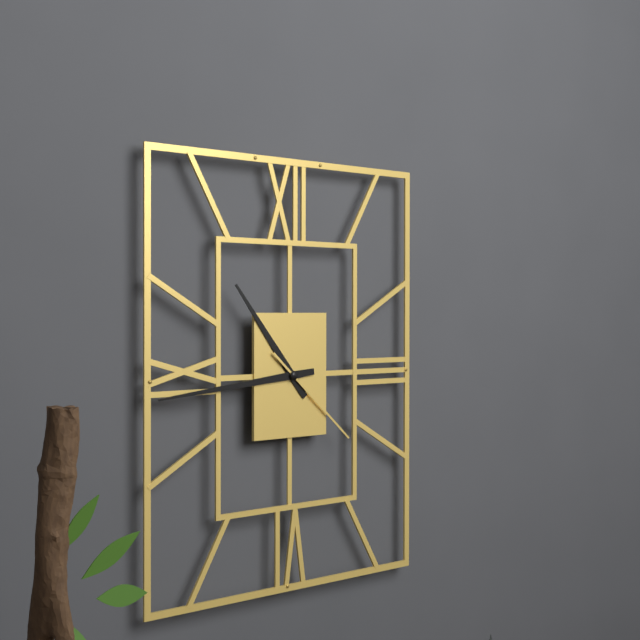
**10:44:22**
